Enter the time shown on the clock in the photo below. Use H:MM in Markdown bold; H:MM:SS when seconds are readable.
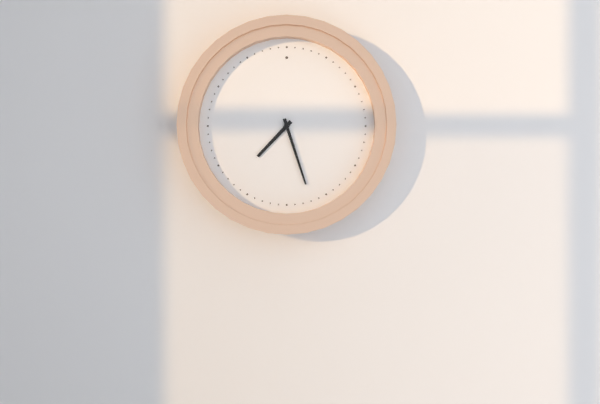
**7:27**
